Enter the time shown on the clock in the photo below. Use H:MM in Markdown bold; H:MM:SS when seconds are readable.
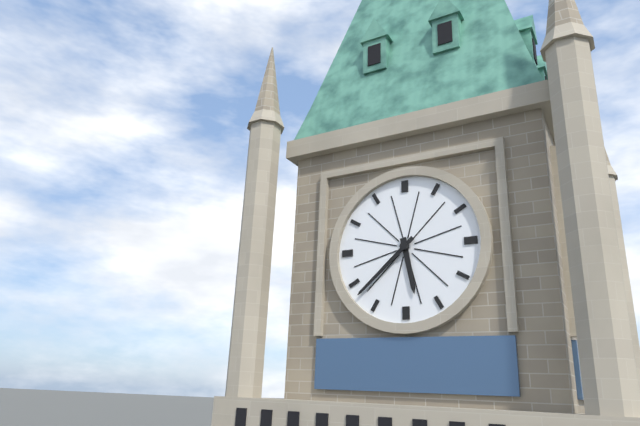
**5:38**
